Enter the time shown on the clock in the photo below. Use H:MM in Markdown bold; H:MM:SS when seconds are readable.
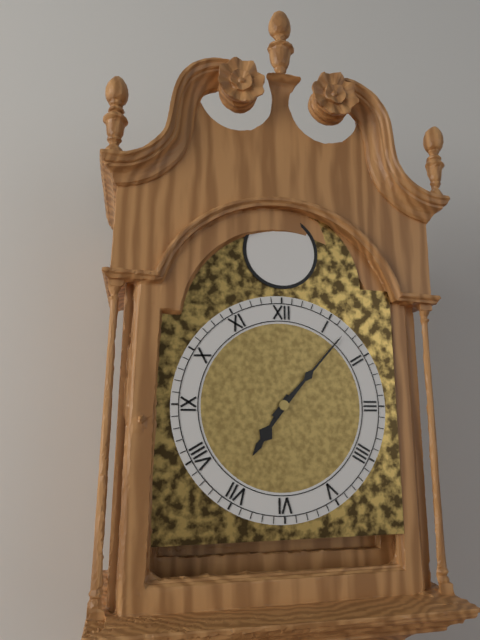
**7:07**
